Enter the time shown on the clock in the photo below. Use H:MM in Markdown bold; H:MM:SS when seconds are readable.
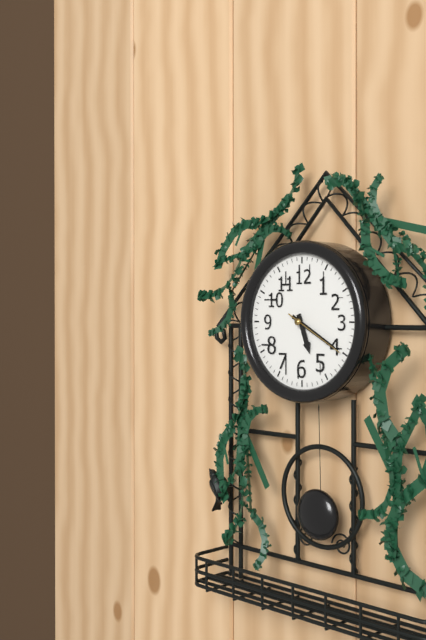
**5:20:20**
